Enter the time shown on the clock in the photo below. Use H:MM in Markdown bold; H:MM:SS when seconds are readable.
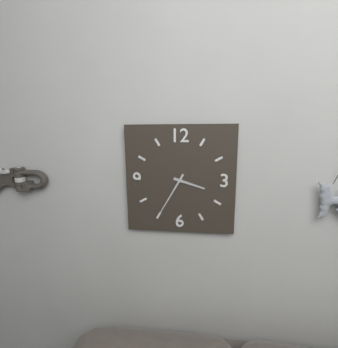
**3:35**
